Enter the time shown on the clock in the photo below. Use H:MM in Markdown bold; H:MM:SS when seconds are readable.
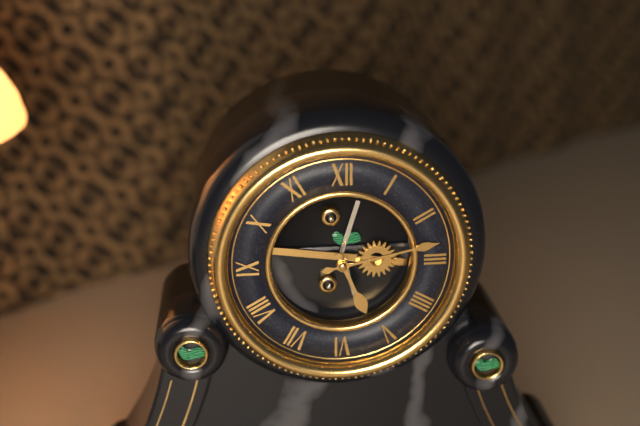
**5:13**
